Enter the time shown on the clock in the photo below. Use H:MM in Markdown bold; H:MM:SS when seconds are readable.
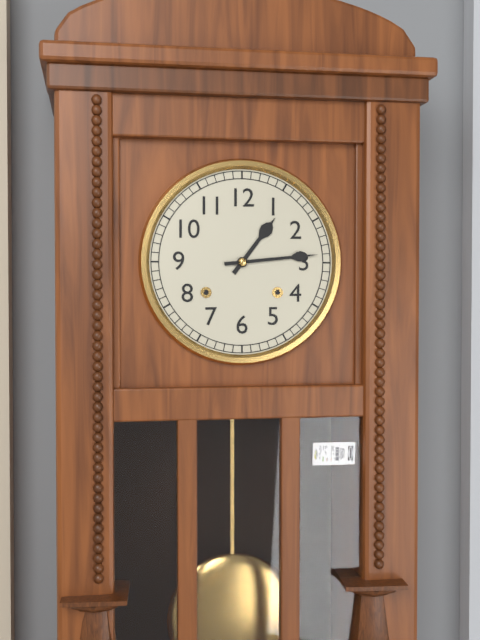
**1:14**
